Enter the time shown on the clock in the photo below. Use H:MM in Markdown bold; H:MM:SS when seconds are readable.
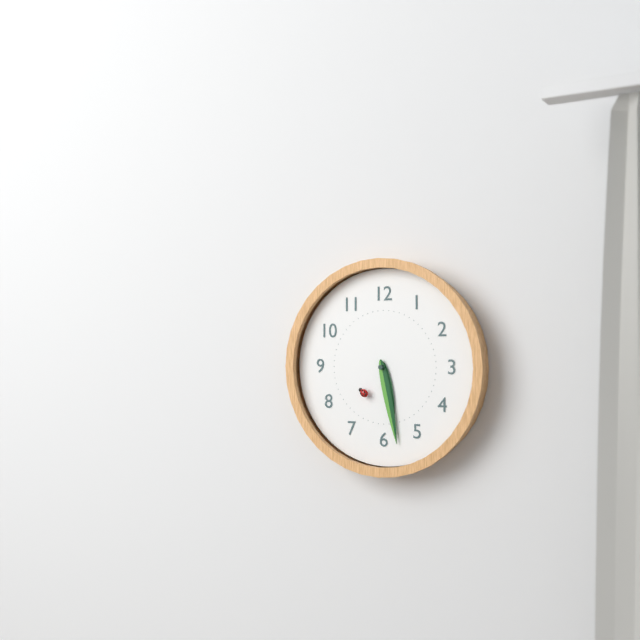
**5:28**
